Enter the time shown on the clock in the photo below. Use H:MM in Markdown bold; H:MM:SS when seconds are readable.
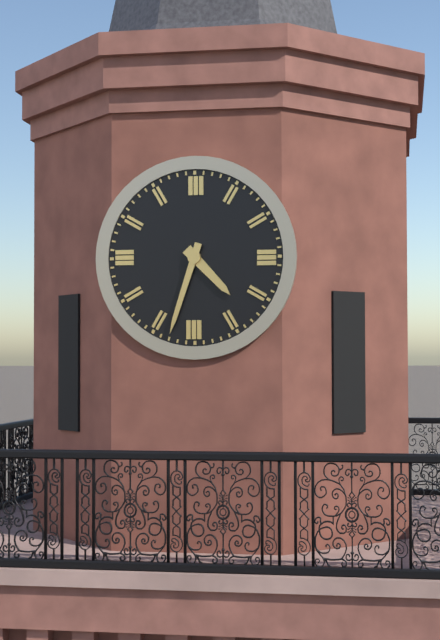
**4:33**
